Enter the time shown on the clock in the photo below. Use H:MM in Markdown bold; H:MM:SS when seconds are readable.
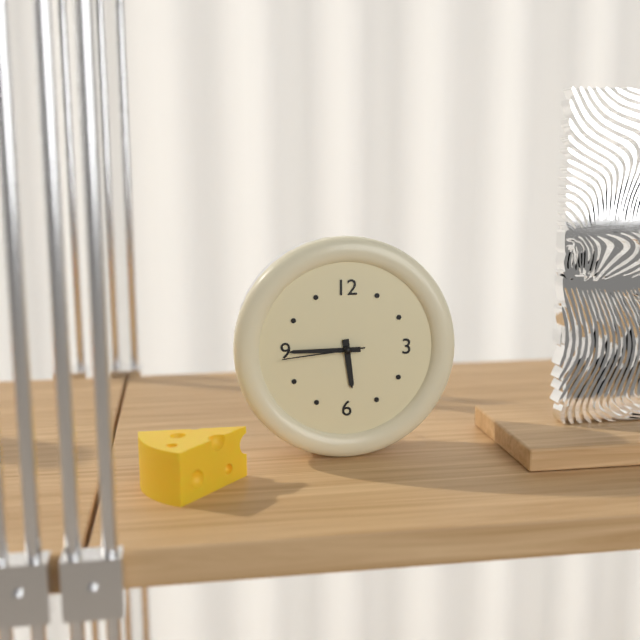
**5:45:44**
